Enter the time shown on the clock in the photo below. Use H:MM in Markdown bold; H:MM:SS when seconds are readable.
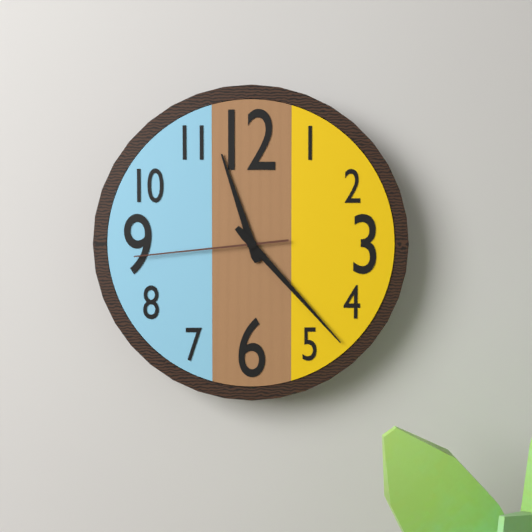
**11:23:44**
